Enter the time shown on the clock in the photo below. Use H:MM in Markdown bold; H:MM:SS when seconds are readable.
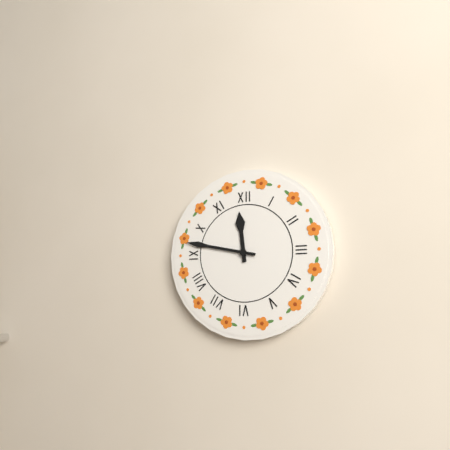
**11:47**
